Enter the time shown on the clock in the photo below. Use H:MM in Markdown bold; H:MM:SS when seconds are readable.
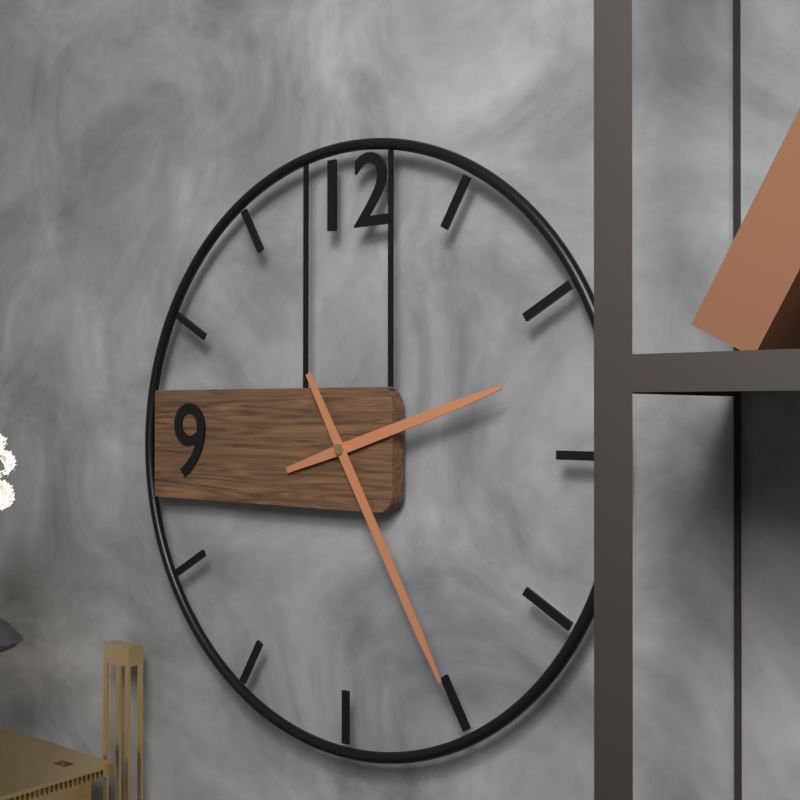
**2:25**
